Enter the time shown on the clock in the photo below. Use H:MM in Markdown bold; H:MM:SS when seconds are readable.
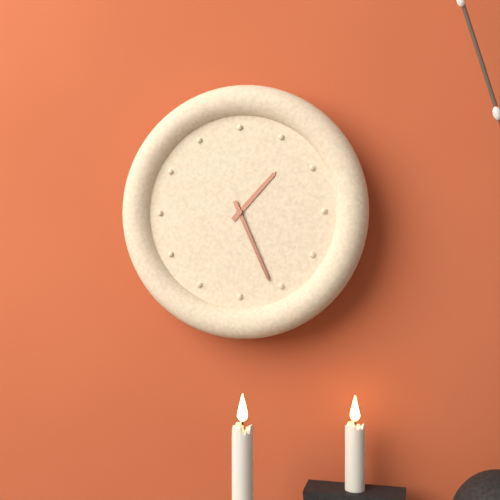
**1:26**
